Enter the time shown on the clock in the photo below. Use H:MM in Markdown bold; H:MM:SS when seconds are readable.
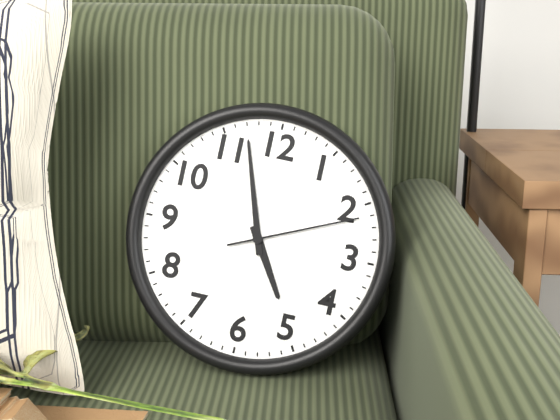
**4:57:11**
